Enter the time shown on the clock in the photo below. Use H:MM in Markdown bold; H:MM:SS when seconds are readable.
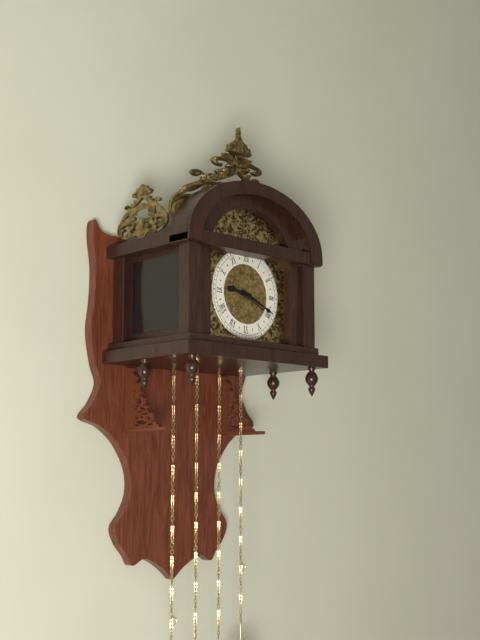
**9:19**
